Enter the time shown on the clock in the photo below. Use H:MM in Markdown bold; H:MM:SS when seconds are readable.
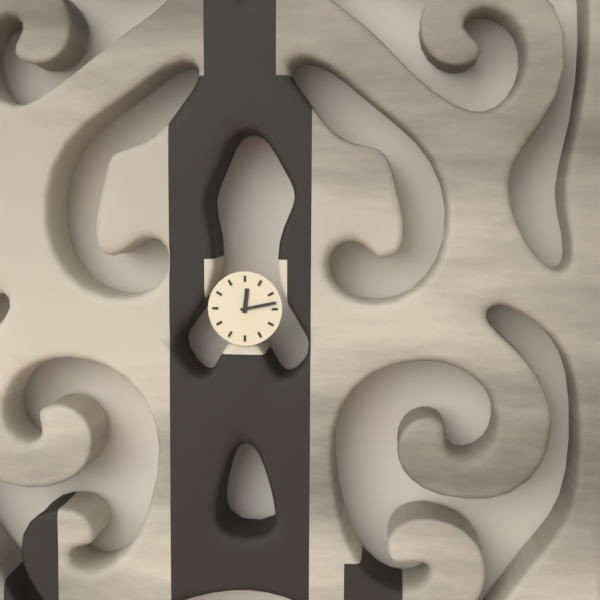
**12:13**
